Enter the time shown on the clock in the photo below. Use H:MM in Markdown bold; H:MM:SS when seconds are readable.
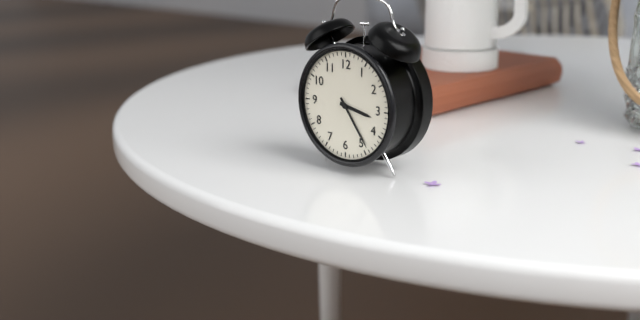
**3:24**
